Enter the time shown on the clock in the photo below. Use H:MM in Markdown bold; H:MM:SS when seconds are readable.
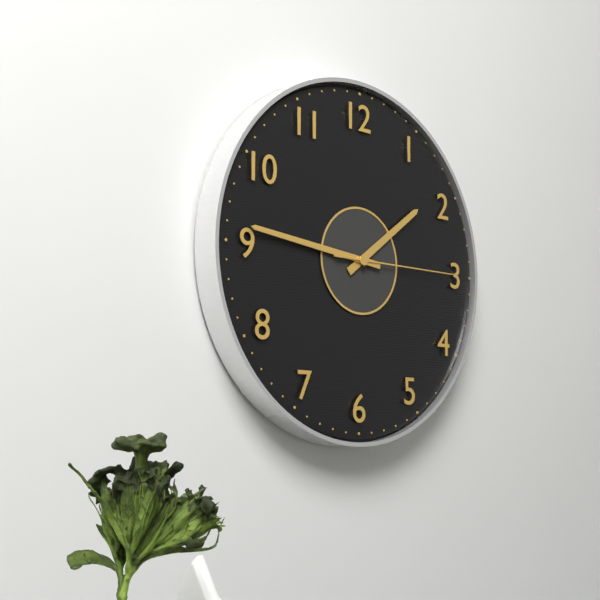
**1:46:15**
